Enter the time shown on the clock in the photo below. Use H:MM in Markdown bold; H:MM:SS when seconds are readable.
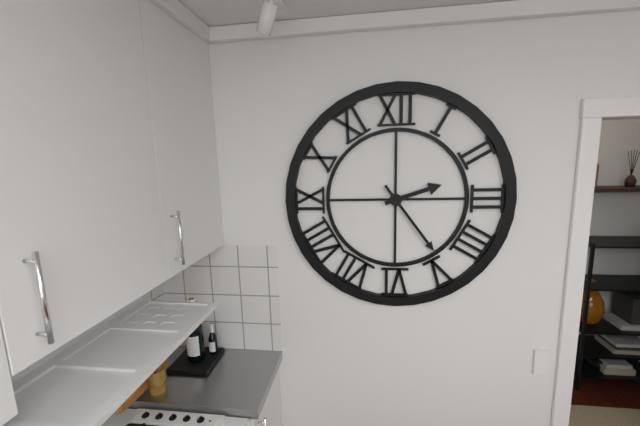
**2:24**
